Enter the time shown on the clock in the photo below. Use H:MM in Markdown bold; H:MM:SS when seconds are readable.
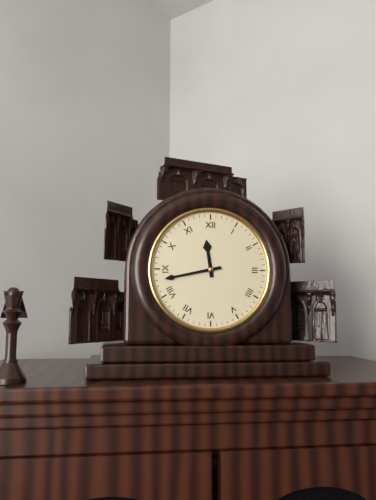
**11:43**
